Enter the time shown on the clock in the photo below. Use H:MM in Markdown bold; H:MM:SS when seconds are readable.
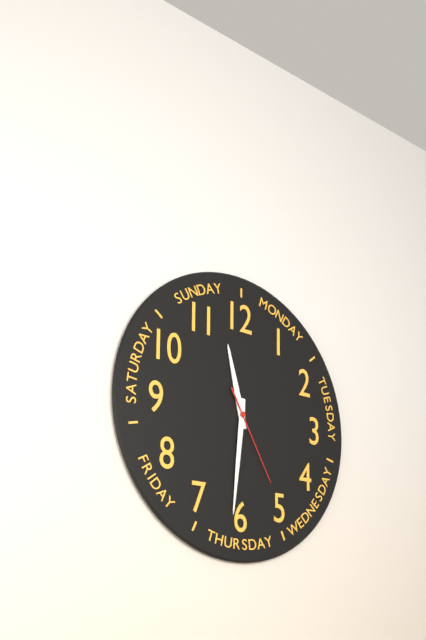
**11:31:25**
